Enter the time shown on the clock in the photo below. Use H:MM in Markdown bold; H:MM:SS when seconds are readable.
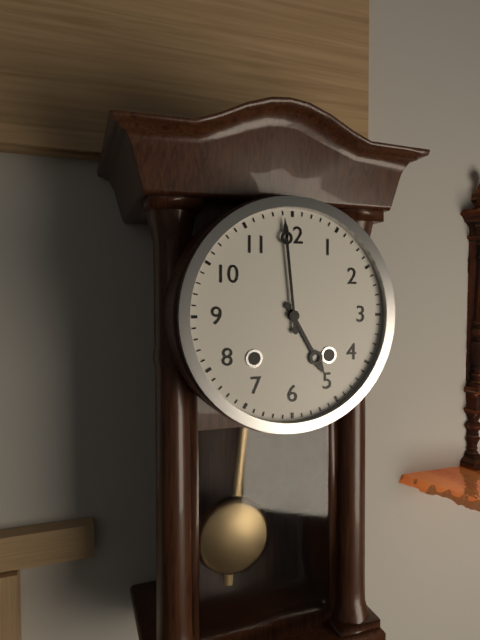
**4:59**
